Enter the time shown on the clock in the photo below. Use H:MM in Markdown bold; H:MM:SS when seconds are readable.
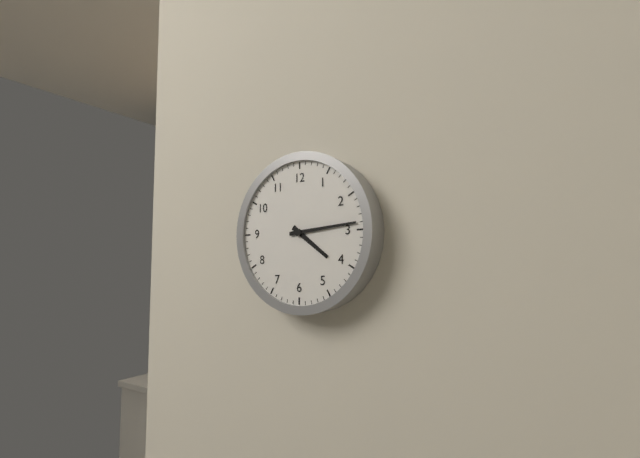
**4:14**
